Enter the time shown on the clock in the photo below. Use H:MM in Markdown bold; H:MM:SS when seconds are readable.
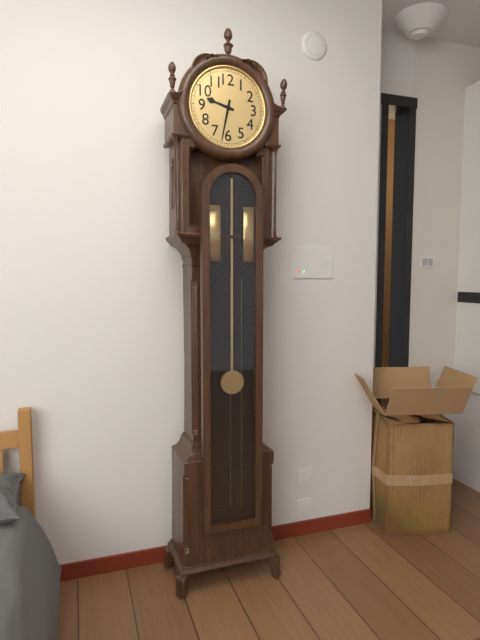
**9:32**
